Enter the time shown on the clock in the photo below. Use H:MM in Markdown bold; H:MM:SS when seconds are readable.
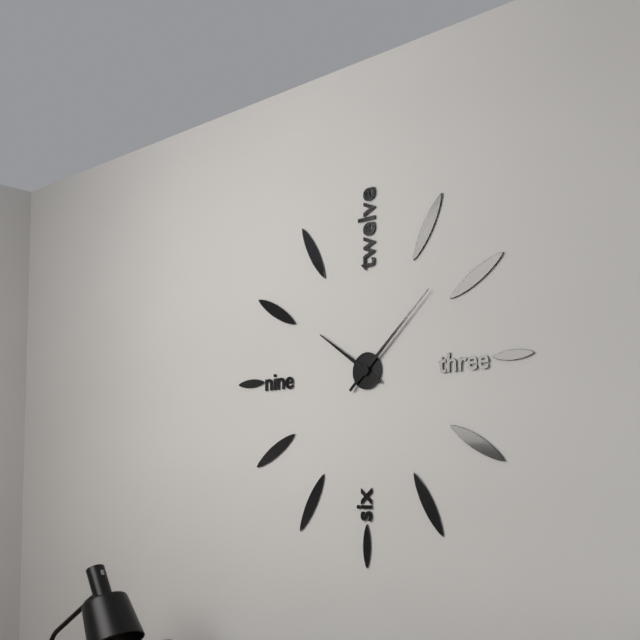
**10:08**
